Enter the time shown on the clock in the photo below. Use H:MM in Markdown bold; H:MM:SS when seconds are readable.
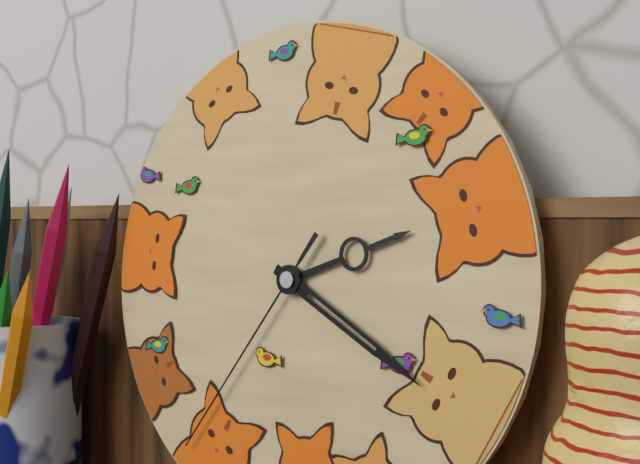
**2:20:36**
